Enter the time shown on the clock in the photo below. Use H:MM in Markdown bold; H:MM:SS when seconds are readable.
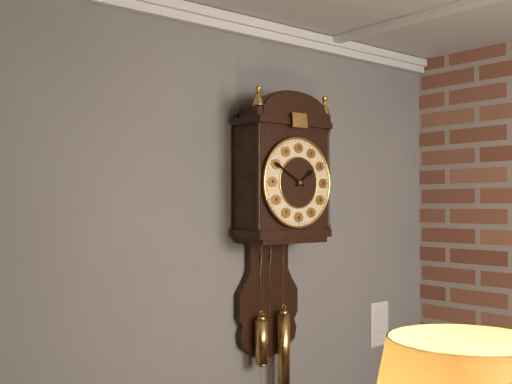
**1:50**
